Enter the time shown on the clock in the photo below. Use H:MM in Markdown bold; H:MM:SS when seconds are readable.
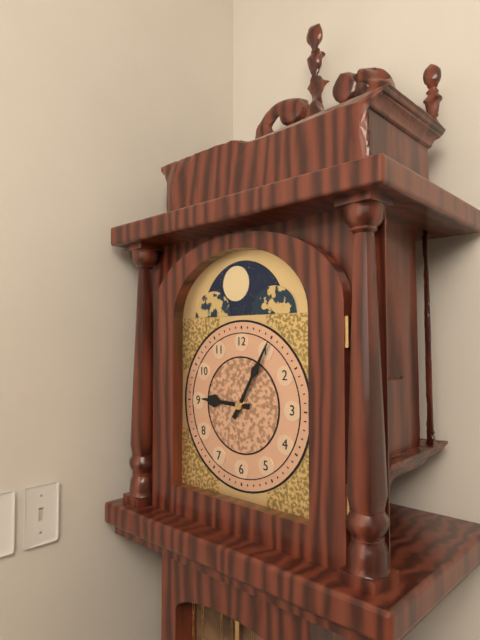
**9:05**
